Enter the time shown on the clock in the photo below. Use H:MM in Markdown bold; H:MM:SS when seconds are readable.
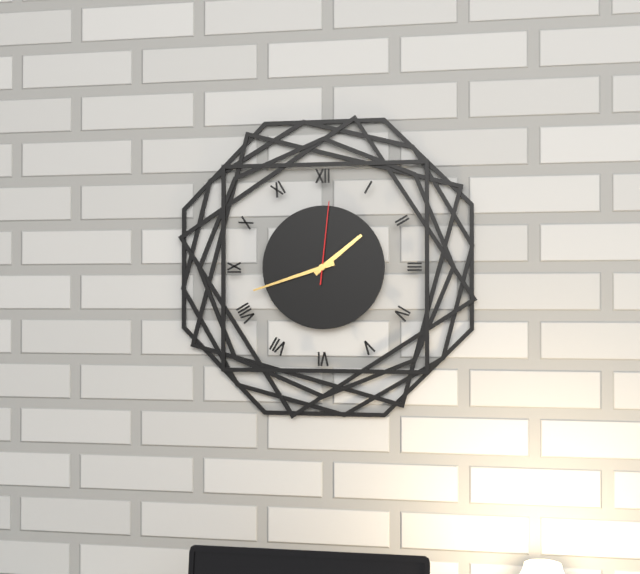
**1:42:01**
